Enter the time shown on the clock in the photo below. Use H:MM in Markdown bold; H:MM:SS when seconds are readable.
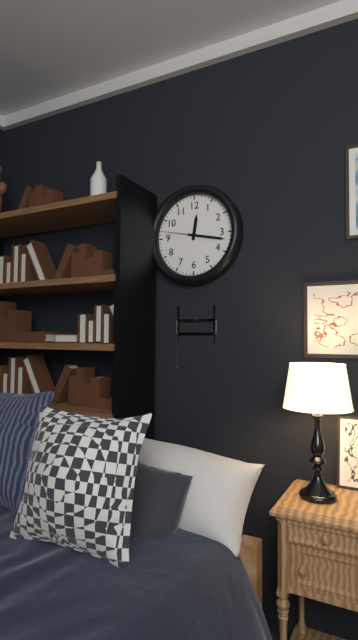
**12:17**
